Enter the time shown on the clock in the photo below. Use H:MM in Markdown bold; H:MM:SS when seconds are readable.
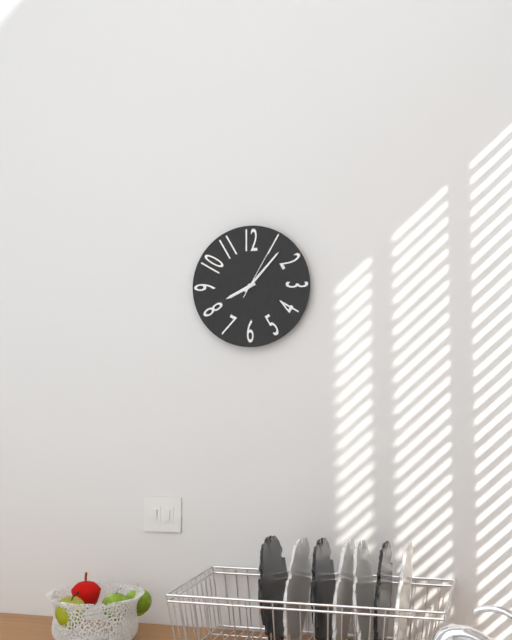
**8:07:05**
